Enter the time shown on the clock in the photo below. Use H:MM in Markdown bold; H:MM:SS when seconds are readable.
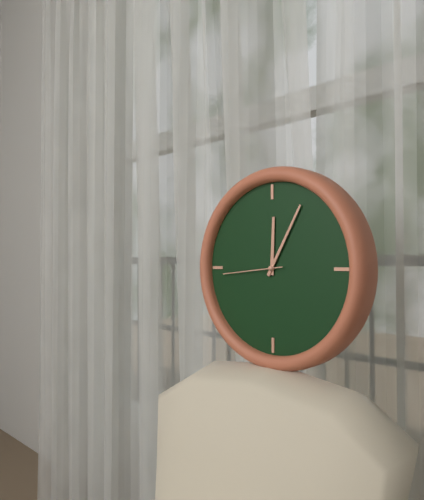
**12:05:44**
